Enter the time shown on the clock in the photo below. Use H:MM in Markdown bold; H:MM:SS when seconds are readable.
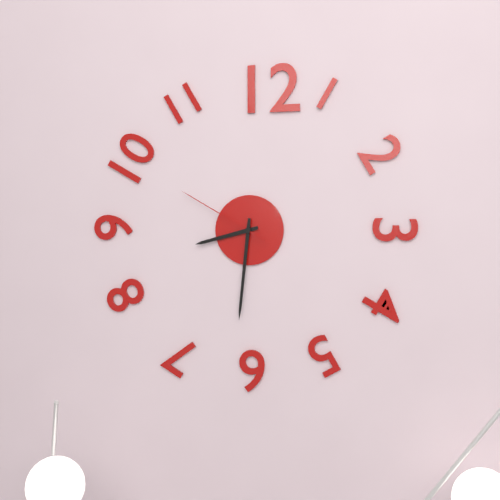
**8:31:50**
